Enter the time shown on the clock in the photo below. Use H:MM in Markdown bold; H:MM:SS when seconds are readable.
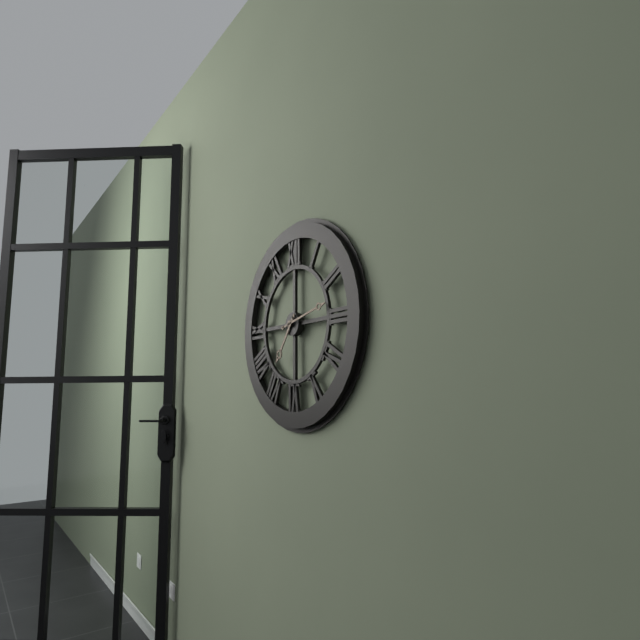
**7:13**
